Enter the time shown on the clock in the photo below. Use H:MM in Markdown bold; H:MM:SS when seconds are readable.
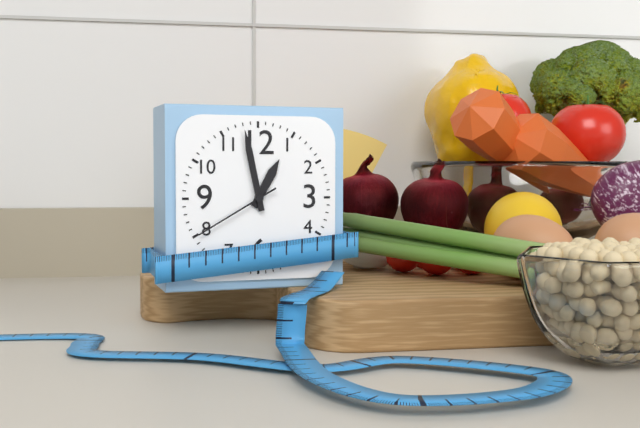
**12:58:40**
